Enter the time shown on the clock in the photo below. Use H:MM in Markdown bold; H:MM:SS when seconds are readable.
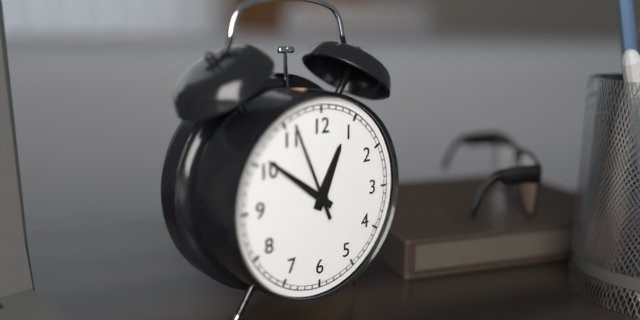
**12:51:56**
